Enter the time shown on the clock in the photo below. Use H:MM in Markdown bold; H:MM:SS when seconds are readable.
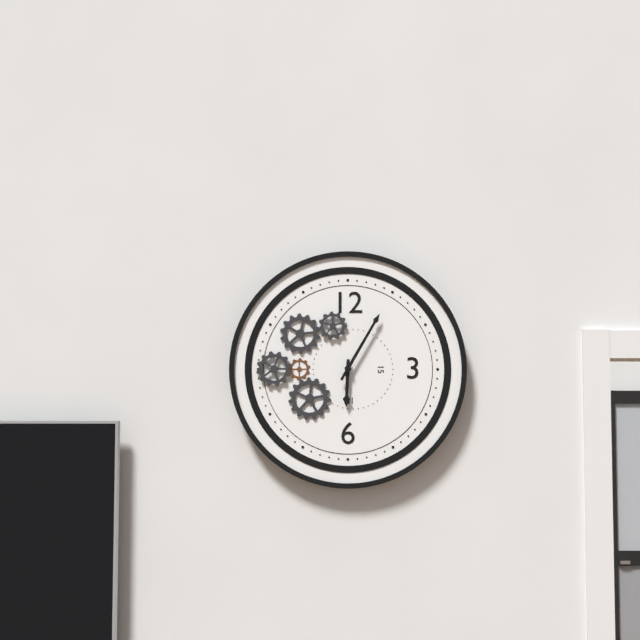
**6:05**
